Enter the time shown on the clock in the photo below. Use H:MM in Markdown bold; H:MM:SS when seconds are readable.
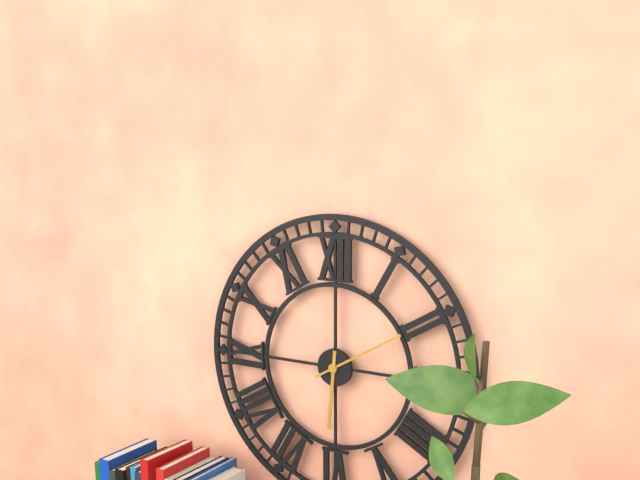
**6:10**
